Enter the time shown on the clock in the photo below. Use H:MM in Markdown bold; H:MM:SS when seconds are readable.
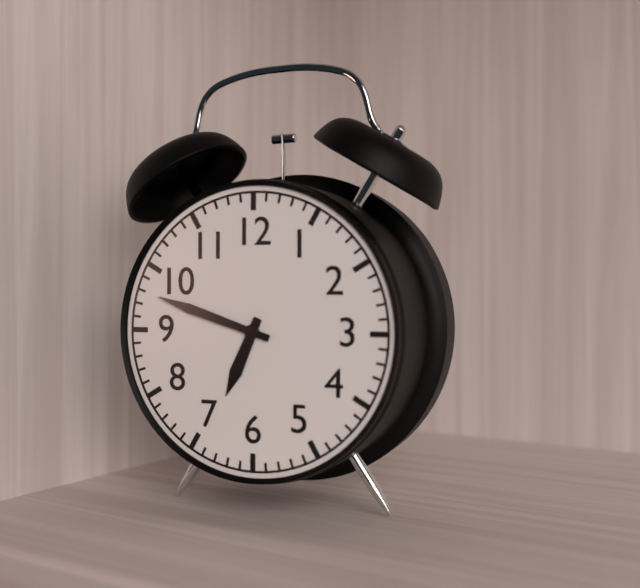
**6:48**
